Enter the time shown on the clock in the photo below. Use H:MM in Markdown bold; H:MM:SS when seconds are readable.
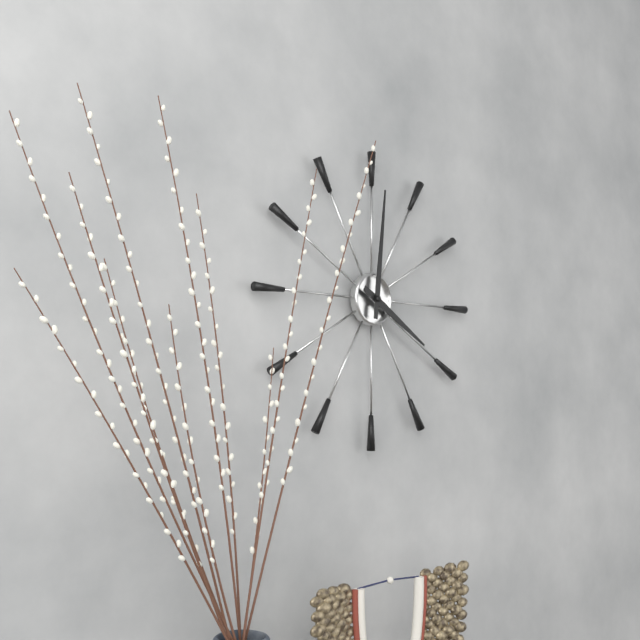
**4:01**
